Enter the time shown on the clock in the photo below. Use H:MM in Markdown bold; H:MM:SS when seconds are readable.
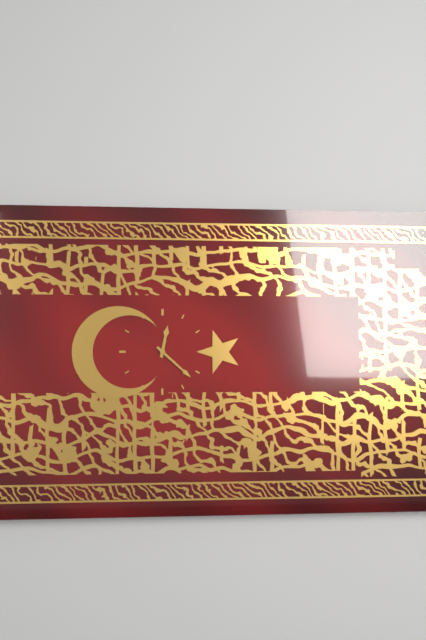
**12:22**
